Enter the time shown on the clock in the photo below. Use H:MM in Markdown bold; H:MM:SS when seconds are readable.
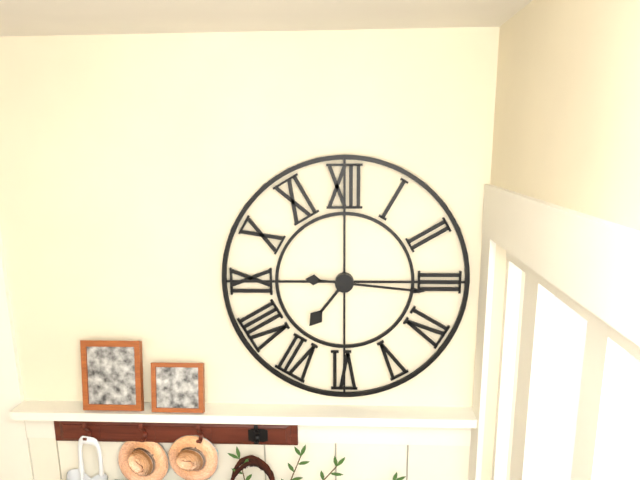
**7:16**
